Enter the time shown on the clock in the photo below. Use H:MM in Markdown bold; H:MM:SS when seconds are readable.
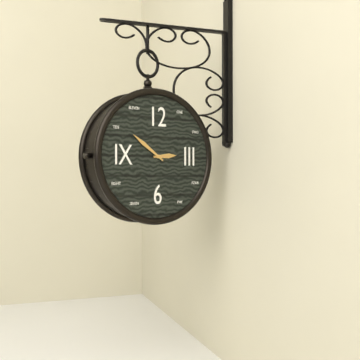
**2:51**
